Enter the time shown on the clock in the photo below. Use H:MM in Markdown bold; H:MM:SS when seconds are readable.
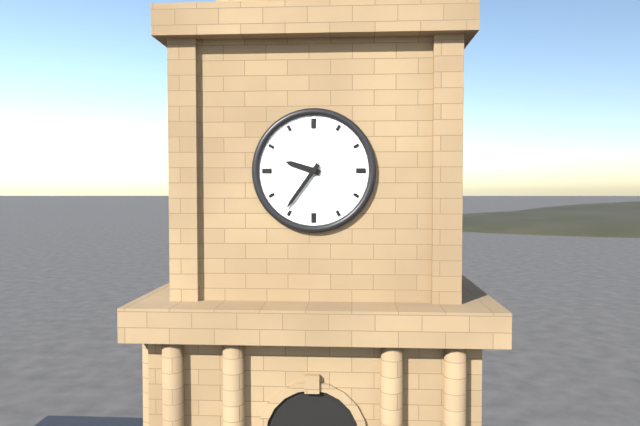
**9:36**
